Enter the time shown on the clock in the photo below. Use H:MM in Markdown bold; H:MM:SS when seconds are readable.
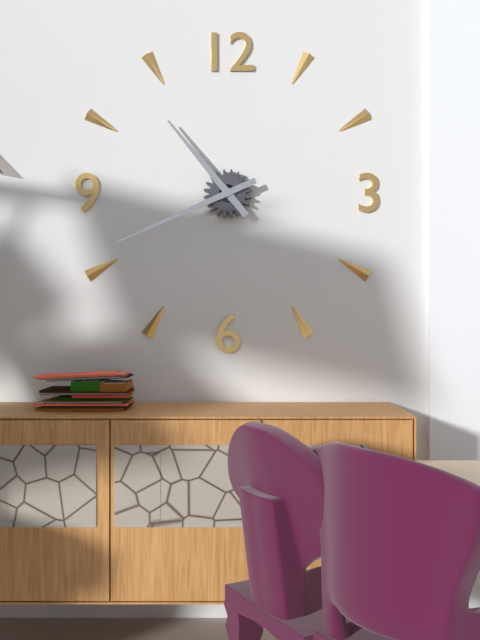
**10:41**
